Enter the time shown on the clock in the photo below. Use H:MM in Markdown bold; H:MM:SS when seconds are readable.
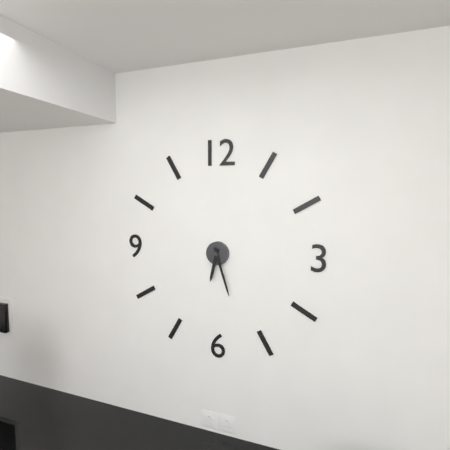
**6:27**
